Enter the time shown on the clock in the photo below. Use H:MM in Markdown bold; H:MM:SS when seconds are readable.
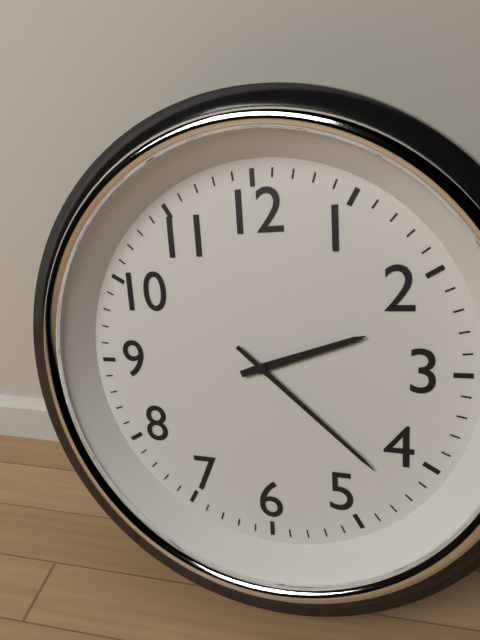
**2:22**
